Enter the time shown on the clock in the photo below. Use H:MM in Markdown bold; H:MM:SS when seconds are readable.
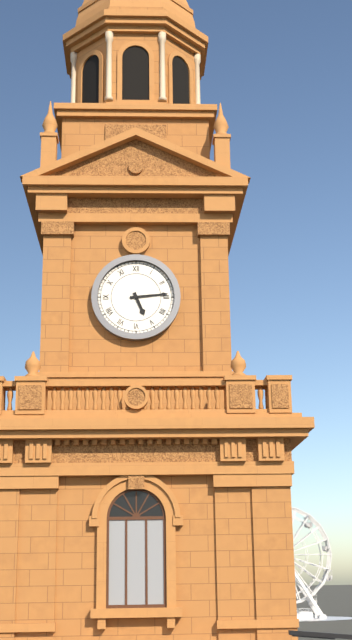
**5:14**
